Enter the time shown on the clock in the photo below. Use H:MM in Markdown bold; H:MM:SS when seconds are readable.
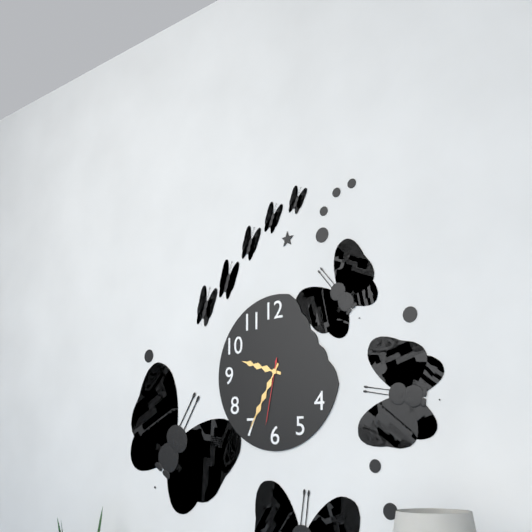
**9:35:32**
